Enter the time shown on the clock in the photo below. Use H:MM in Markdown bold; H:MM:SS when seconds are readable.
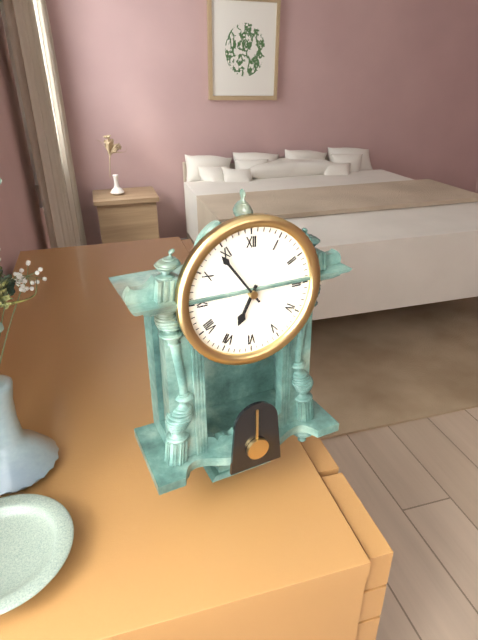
**6:54**
